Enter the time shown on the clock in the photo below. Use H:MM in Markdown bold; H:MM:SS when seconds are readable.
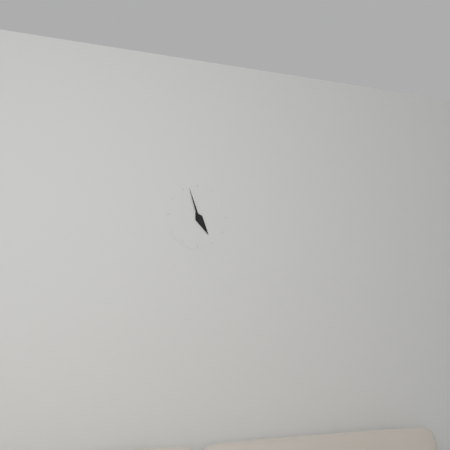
**4:57**
